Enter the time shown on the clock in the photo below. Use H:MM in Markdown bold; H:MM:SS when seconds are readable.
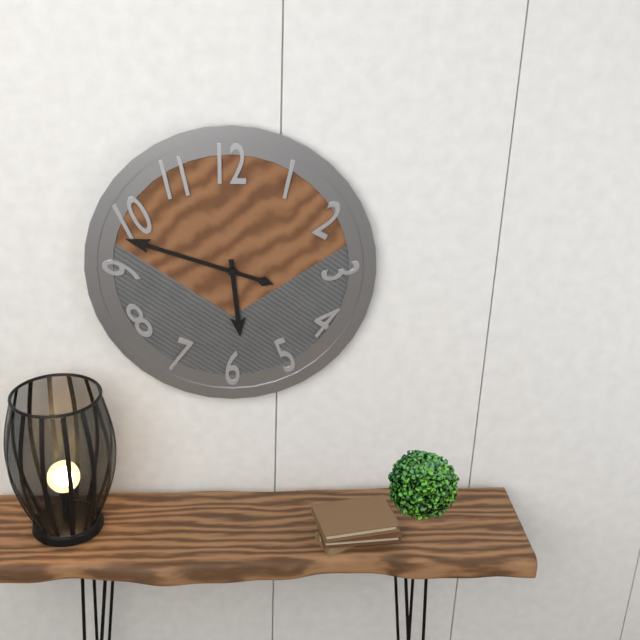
**5:48**
